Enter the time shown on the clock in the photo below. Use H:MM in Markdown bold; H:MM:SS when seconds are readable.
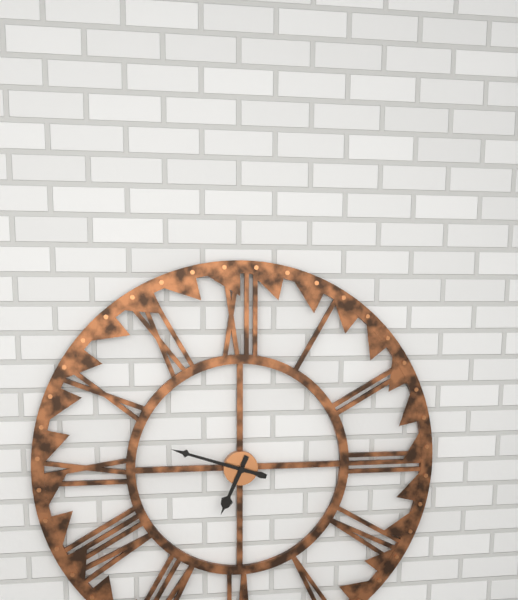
**6:48**
